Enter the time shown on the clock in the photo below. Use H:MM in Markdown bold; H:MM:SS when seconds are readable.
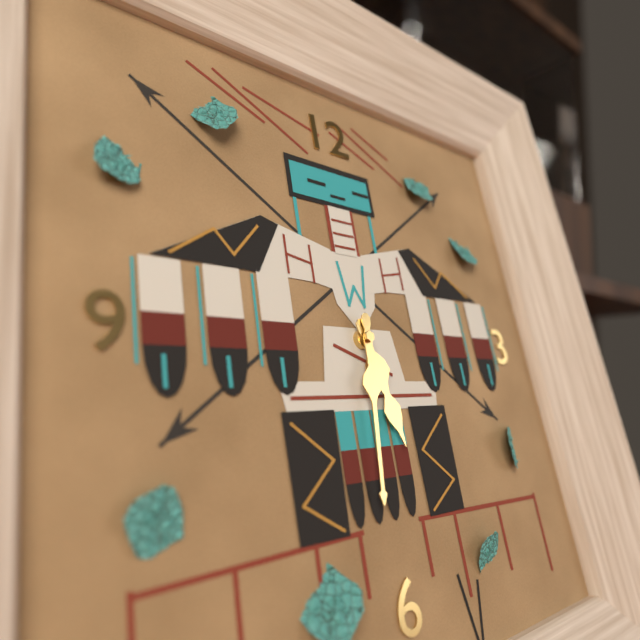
**5:31**
